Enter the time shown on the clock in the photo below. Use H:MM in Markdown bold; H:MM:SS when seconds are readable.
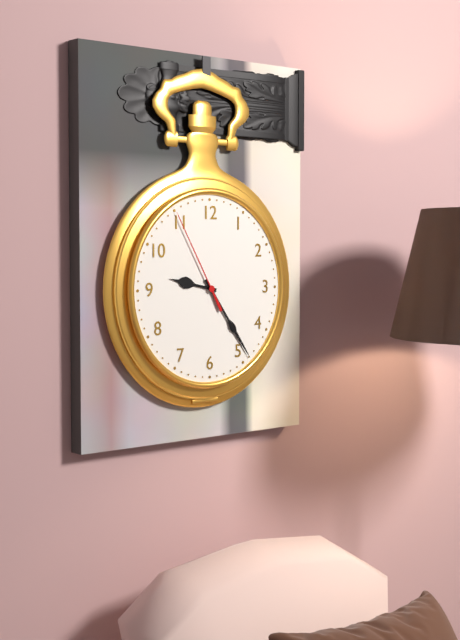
**9:24:55**
